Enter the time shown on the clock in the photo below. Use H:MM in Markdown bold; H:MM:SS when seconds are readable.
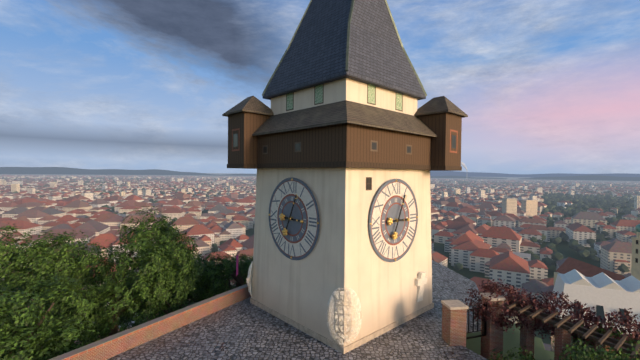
**3:04**
